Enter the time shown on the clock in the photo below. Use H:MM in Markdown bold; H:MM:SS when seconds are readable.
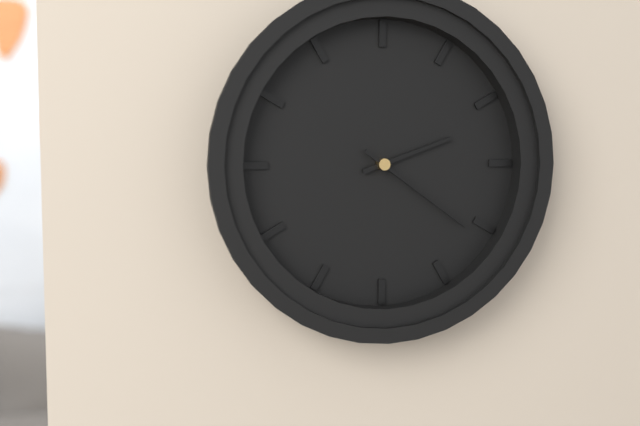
**2:21**
